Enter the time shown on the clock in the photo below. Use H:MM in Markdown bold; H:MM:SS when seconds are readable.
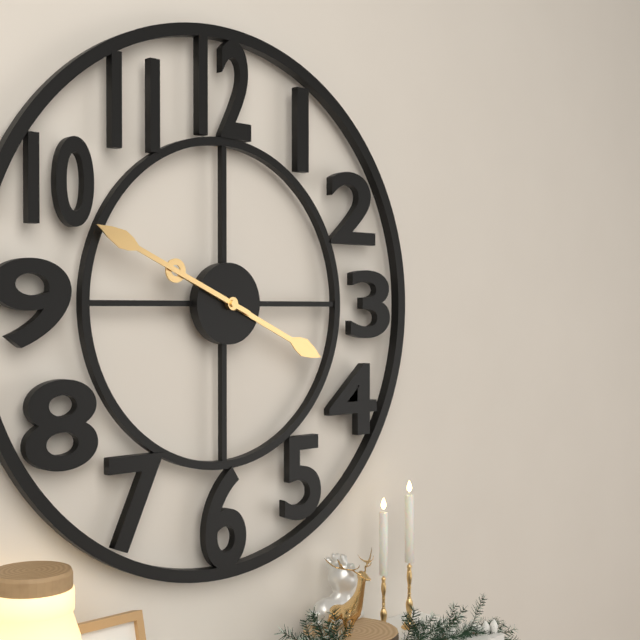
**3:49**
